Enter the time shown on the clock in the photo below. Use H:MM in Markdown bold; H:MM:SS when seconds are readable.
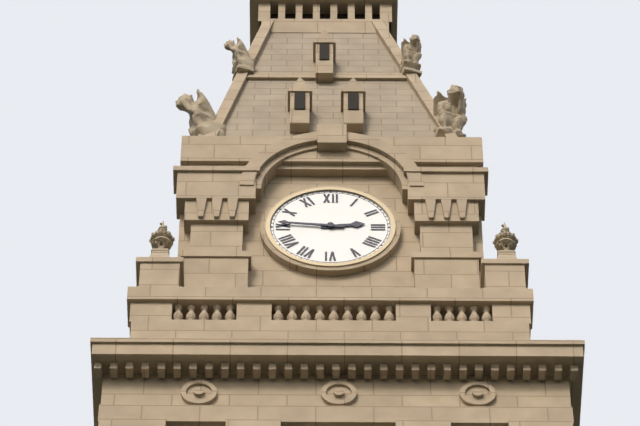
**2:46**
